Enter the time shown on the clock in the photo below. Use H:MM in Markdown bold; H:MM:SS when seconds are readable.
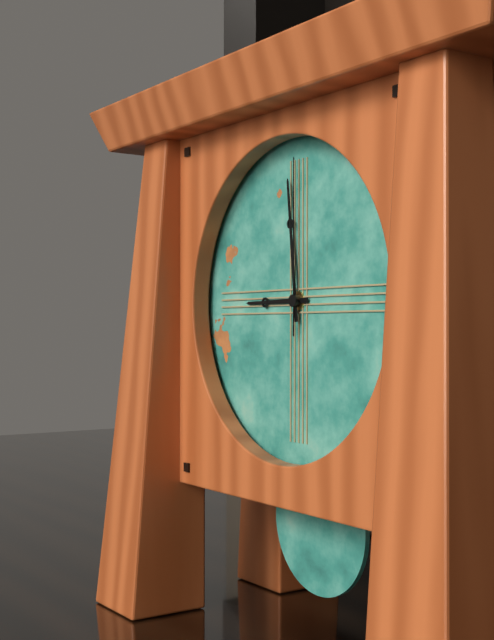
**8:59:00**
